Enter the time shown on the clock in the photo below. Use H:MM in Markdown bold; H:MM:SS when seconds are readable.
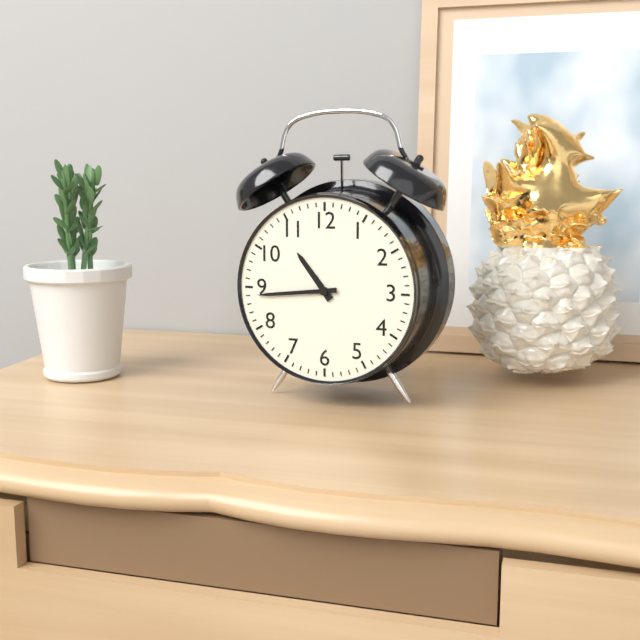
**10:44**
